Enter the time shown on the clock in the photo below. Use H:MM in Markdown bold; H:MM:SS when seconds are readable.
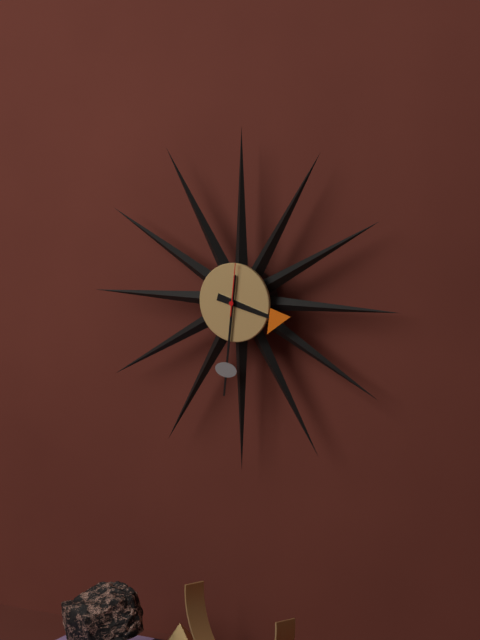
**3:31:01**
